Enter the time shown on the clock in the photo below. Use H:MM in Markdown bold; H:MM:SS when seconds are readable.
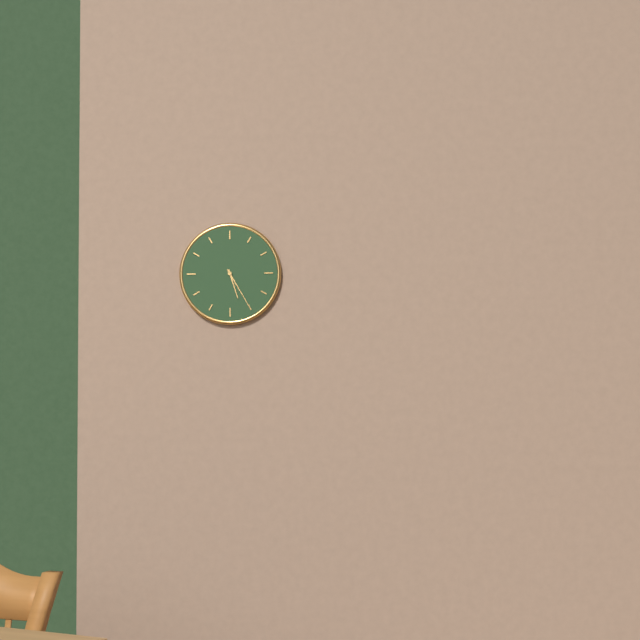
**5:25**
